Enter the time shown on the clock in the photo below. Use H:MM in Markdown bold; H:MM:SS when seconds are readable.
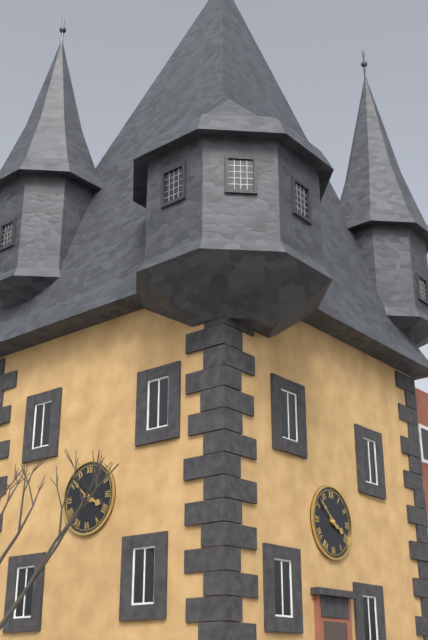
**3:52**
